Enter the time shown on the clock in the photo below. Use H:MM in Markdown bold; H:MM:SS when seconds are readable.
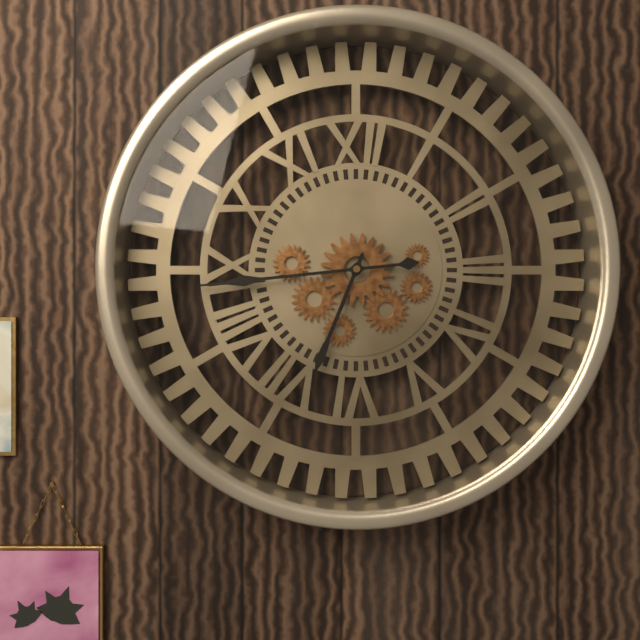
**6:44**
